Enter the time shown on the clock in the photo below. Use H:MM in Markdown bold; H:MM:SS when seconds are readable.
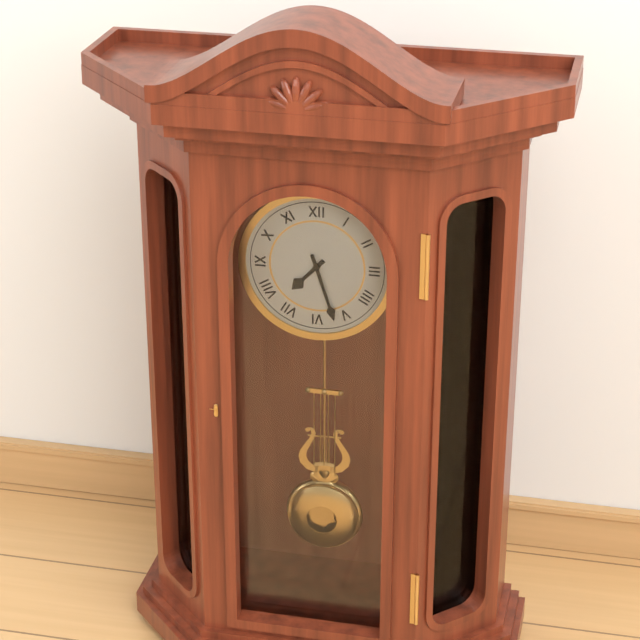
**7:27**
